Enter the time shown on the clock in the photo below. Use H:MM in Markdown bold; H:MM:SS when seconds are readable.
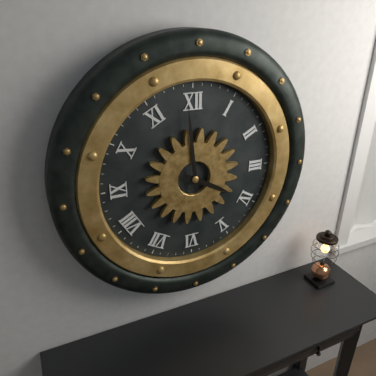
**3:59**
